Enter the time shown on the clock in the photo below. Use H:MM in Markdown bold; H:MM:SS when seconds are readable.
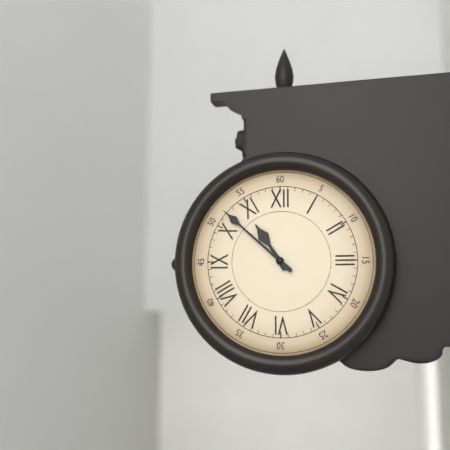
**10:52**
